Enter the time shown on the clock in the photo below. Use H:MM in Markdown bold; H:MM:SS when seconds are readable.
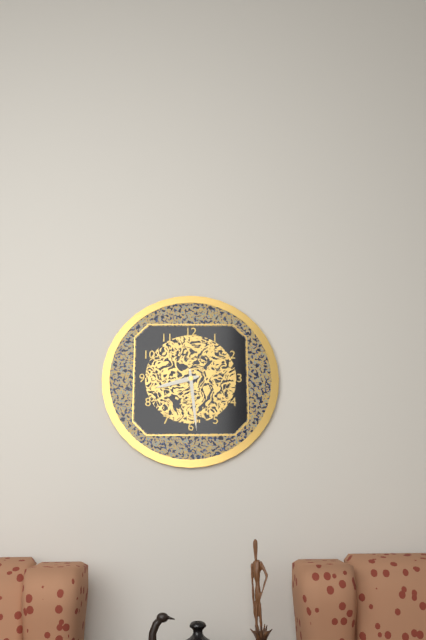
**8:29**
